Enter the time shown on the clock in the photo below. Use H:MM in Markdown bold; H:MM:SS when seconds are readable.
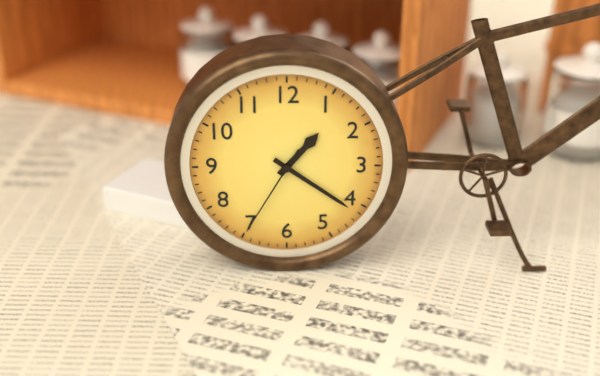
**1:21:35**
